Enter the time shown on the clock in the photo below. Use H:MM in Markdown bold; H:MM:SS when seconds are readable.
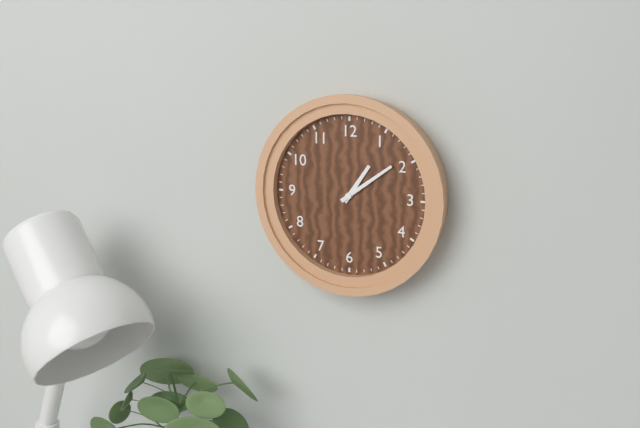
**1:09**
